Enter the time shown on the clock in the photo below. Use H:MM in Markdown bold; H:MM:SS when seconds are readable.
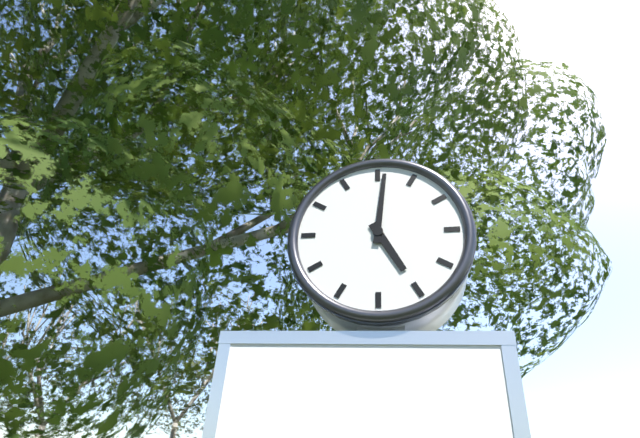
**5:01**
